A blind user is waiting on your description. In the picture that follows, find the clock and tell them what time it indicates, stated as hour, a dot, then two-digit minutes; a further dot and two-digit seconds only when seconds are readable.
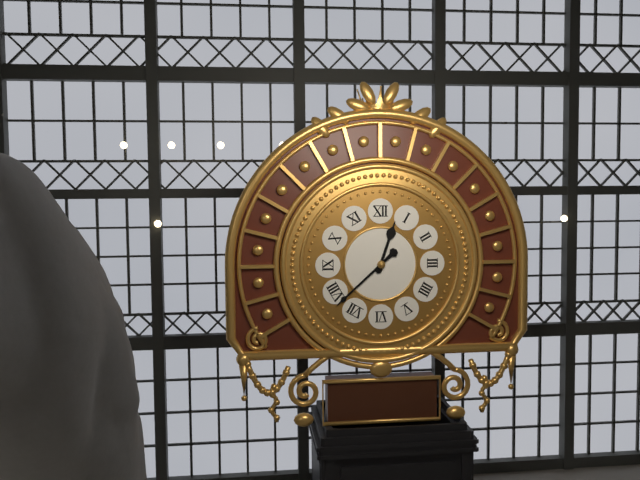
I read 12.38
